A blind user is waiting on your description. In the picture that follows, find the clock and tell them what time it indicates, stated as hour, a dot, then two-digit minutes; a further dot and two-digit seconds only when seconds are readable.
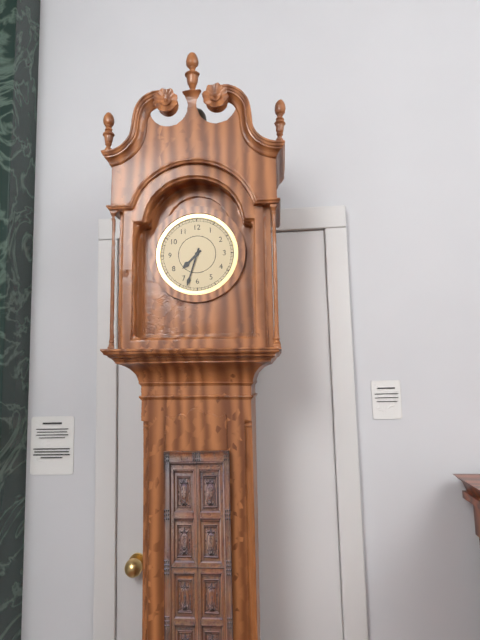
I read 7.33
